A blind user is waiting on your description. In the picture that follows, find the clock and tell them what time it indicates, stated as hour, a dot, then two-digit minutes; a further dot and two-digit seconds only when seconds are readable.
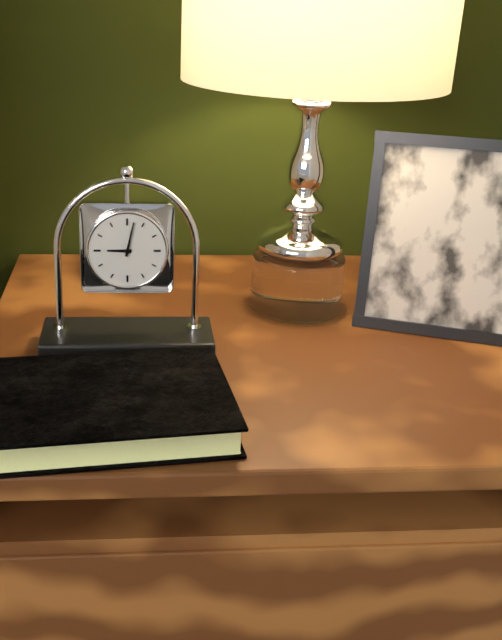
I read 9.02
